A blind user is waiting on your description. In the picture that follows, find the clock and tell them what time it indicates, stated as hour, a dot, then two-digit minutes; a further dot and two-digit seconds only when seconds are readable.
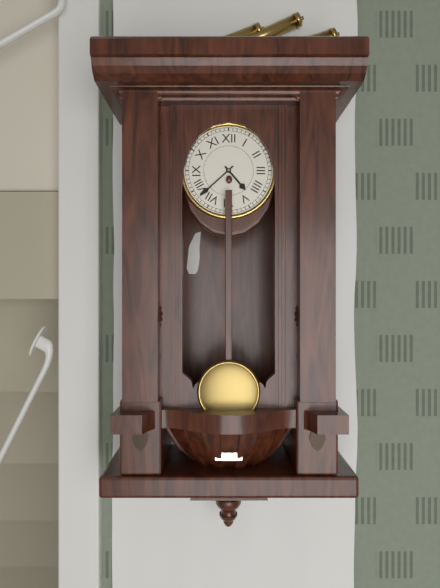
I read 4.38
